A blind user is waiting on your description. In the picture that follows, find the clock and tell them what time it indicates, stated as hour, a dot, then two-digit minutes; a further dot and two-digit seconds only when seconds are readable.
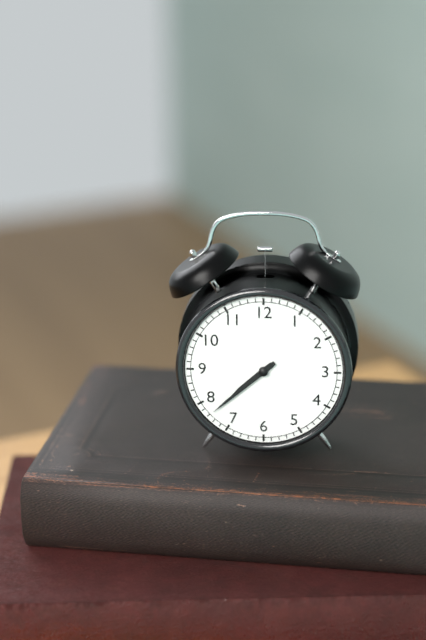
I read 7.38
